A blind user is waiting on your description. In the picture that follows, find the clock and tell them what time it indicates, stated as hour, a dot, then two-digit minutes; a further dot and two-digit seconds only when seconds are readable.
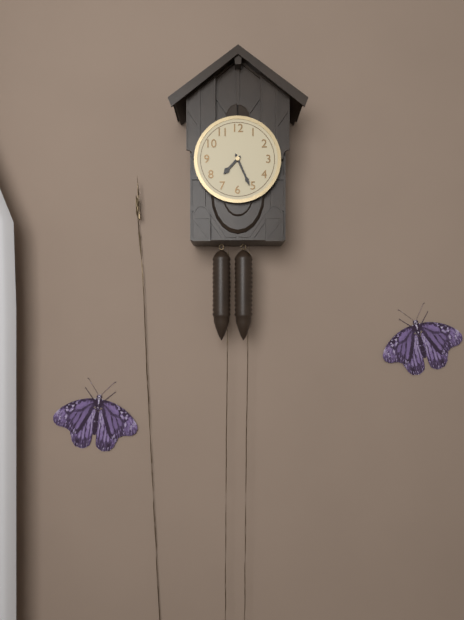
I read 7.26
